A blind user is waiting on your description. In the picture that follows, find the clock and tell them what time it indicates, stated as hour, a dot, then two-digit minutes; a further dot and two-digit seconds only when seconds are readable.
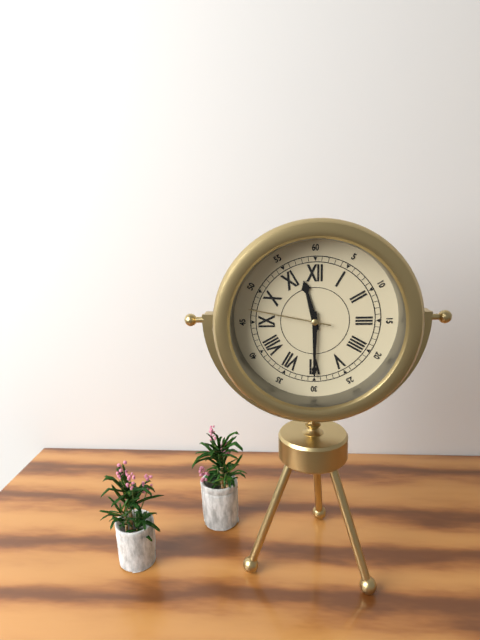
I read 11.30.47
